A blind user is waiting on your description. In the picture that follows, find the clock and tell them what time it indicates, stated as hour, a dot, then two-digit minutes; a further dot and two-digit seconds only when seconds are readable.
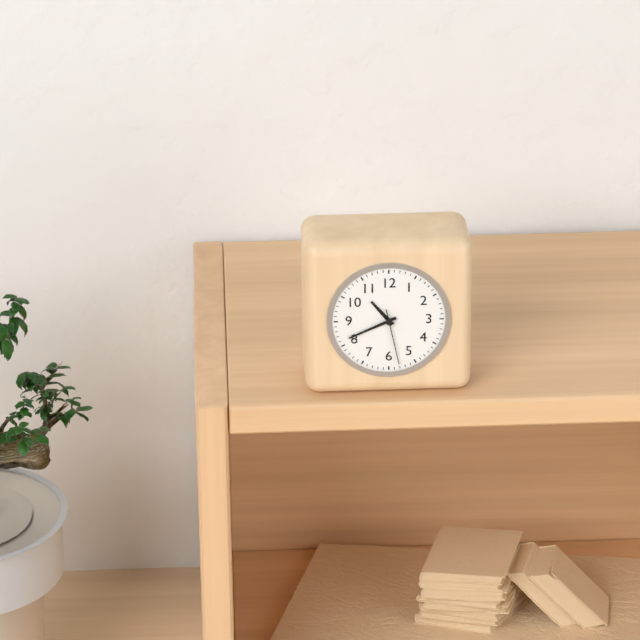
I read 10.41.28
